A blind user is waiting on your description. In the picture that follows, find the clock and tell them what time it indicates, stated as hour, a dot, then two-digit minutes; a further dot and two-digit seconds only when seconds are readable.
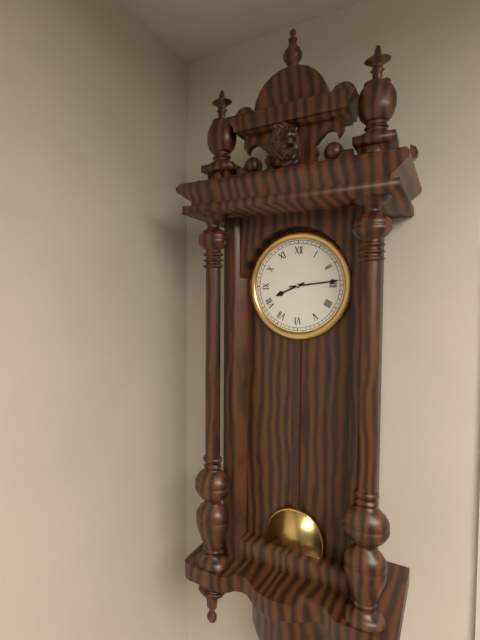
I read 8.14
